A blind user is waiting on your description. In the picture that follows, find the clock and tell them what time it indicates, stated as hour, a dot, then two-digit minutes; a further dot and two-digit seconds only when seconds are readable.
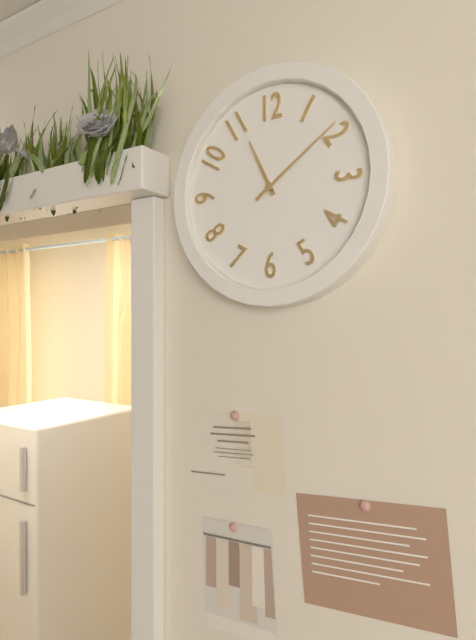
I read 11.09
